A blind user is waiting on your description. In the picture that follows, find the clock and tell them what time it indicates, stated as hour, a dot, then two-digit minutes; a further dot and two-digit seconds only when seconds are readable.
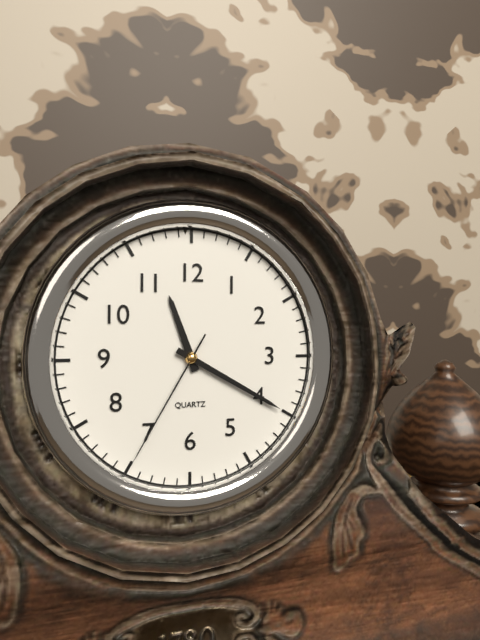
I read 11.20.35
